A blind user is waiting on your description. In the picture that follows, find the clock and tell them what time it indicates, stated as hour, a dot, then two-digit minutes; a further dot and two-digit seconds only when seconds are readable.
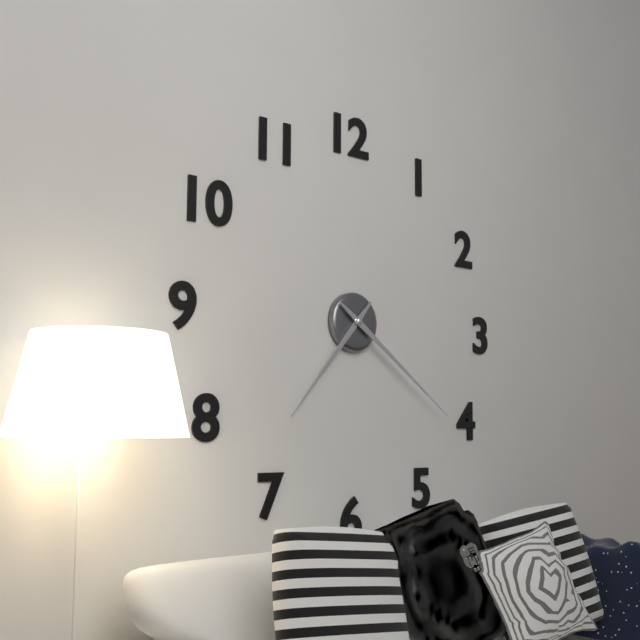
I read 7.21
